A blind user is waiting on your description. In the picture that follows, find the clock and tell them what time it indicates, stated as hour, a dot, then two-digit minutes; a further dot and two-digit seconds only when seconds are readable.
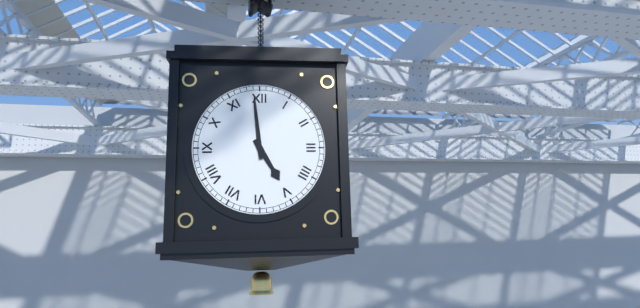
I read 4.59
